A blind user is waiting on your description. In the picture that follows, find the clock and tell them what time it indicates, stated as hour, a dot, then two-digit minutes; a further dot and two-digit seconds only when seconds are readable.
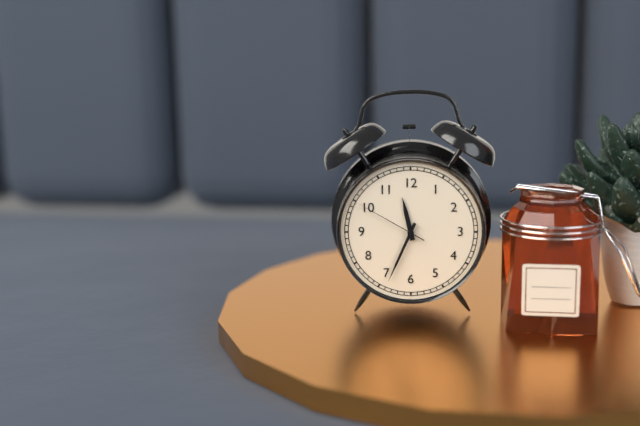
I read 11.34.50
